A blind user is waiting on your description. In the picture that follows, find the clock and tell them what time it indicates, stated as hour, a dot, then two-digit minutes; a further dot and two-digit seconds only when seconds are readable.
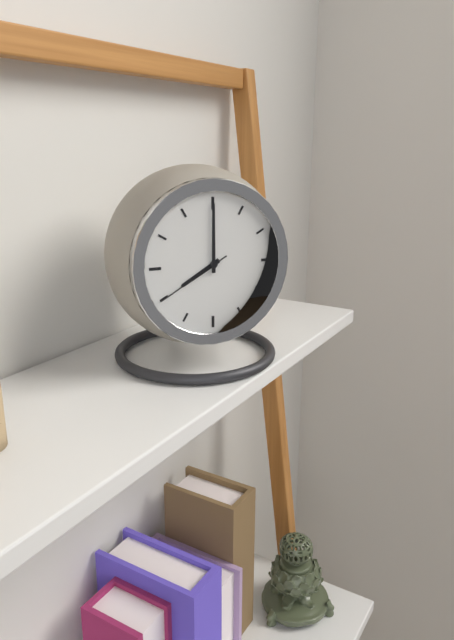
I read 8.00.40
